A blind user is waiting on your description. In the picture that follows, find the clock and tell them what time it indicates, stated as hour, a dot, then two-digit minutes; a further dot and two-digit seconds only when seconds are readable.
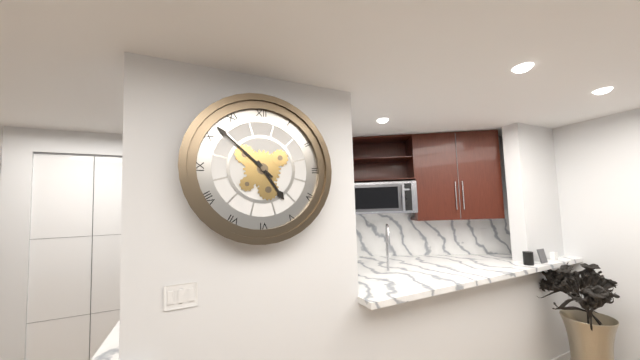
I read 4.52
